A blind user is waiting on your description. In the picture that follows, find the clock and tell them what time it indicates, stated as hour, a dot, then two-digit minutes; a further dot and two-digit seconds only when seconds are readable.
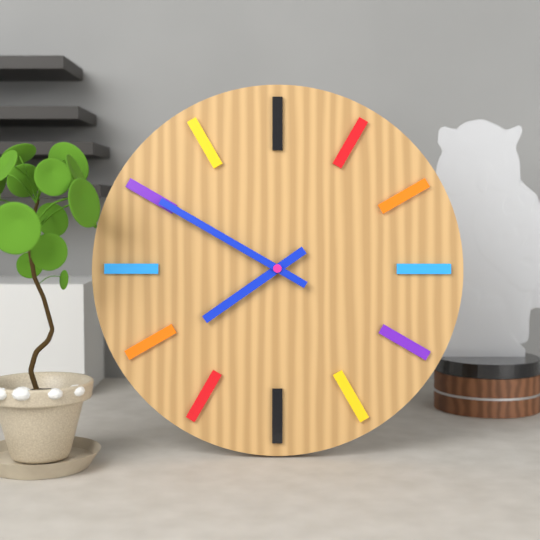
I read 7.50
